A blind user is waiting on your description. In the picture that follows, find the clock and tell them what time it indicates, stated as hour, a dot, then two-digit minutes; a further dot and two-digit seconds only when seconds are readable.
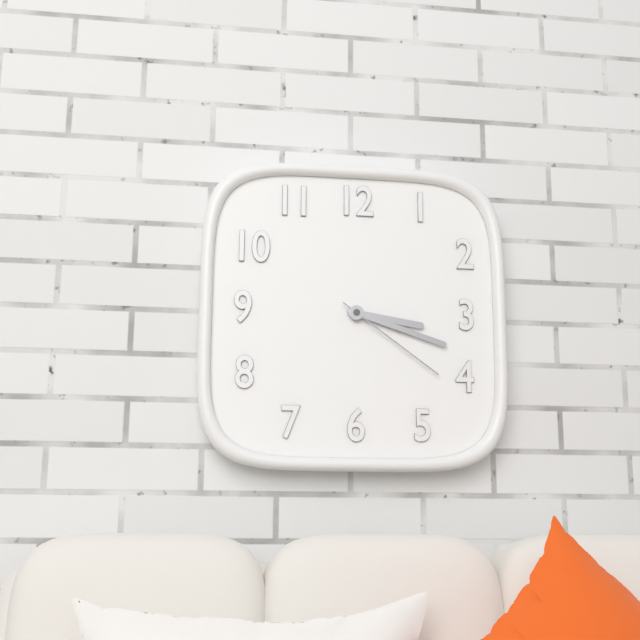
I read 3.18.21
